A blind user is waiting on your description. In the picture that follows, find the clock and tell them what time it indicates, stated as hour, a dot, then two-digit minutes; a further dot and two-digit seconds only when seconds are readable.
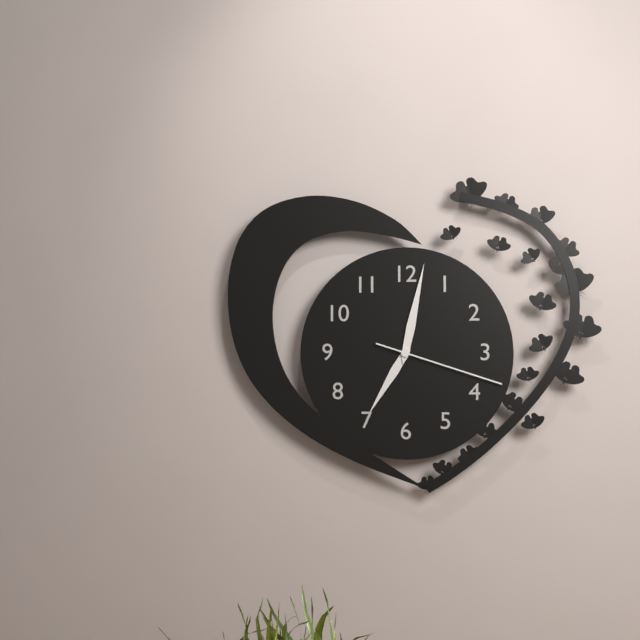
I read 7.02.18
